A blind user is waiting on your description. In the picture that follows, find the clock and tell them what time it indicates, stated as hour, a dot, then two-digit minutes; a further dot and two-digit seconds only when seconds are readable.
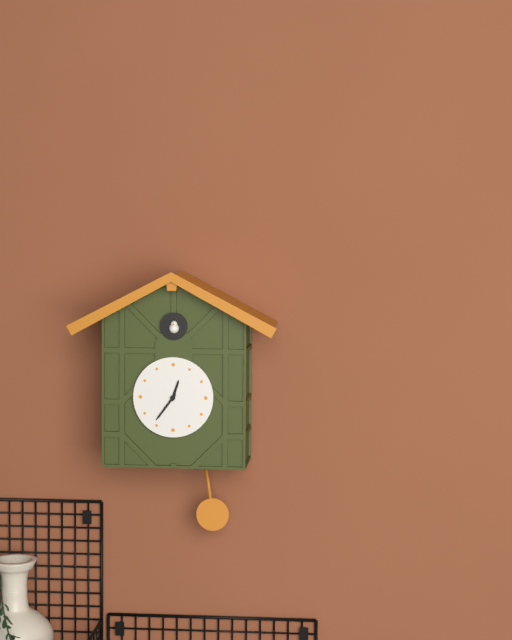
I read 12.36
